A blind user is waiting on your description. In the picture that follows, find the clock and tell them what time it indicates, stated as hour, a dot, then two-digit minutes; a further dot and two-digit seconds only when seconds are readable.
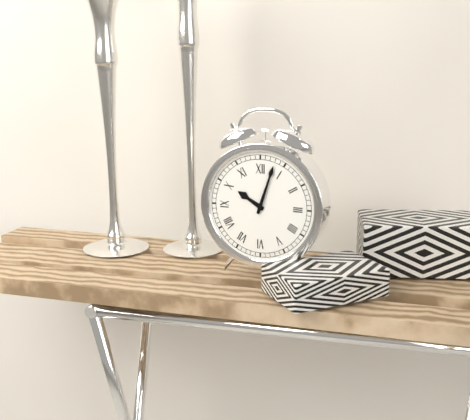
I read 10.03
